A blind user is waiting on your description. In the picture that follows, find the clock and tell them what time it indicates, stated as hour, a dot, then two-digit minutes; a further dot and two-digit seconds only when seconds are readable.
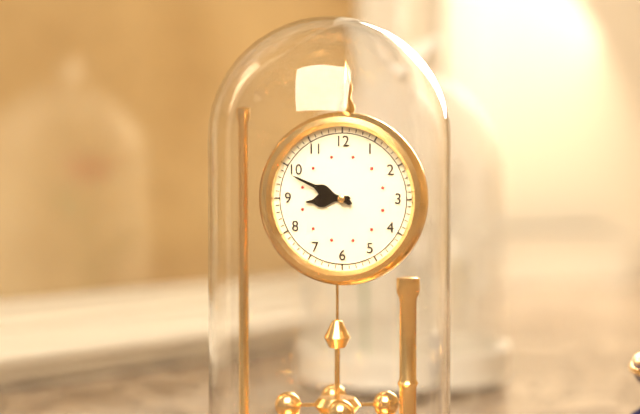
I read 8.49
